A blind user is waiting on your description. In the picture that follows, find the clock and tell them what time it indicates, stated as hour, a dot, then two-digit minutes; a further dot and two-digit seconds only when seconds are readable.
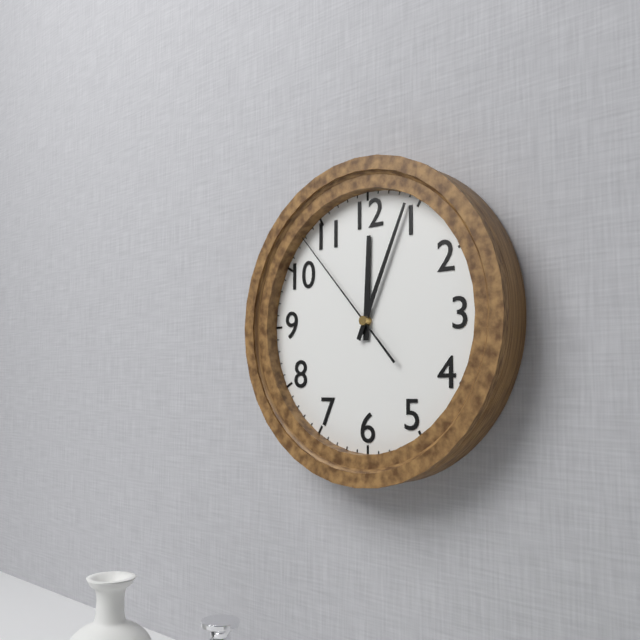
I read 12.04.53
